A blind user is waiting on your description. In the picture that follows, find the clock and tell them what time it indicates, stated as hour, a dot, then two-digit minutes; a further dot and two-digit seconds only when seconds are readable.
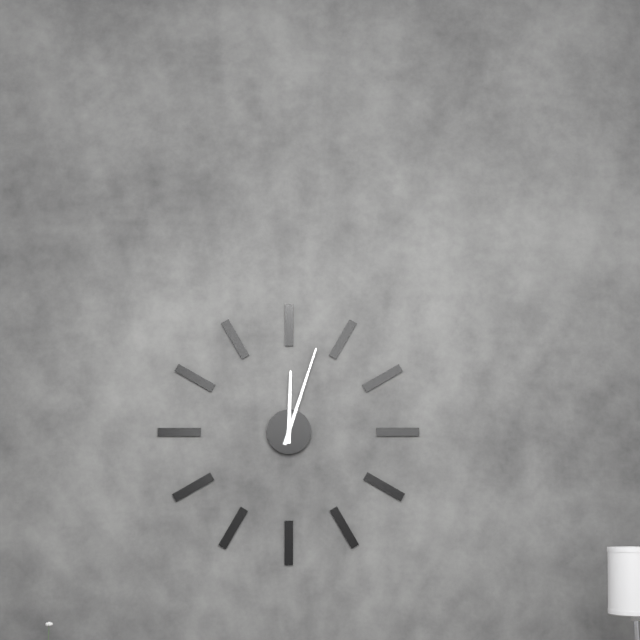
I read 12.03
